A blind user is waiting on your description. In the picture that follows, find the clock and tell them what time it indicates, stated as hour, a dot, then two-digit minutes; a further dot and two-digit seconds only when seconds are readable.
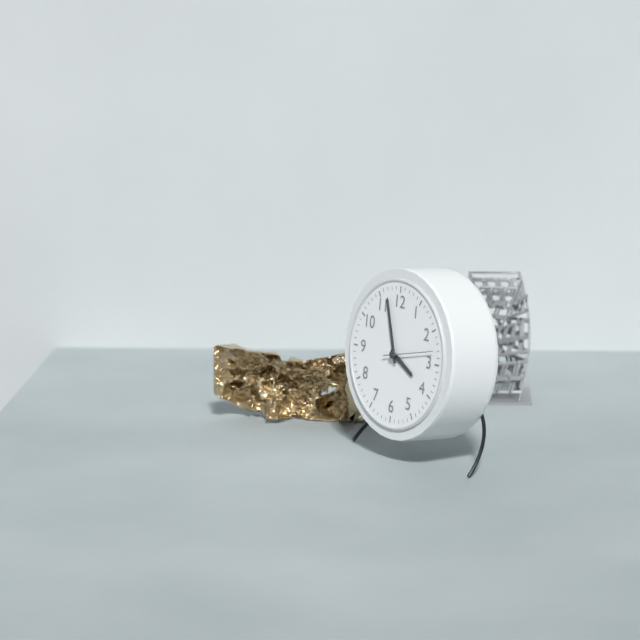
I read 3.57.13
